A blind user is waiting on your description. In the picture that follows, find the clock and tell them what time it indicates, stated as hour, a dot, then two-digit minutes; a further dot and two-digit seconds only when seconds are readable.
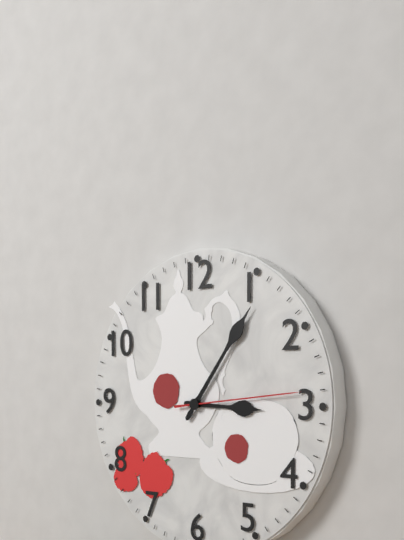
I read 3.06.14
